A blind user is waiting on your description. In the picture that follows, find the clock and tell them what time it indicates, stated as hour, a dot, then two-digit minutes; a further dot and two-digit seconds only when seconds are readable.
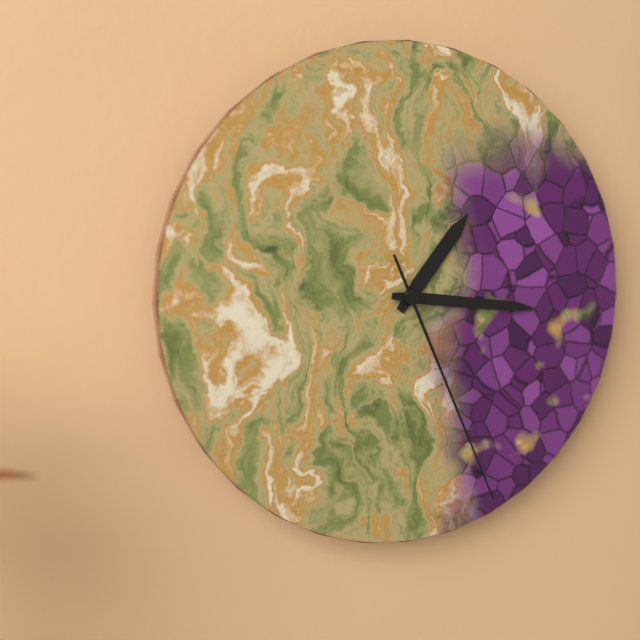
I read 1.16.26
